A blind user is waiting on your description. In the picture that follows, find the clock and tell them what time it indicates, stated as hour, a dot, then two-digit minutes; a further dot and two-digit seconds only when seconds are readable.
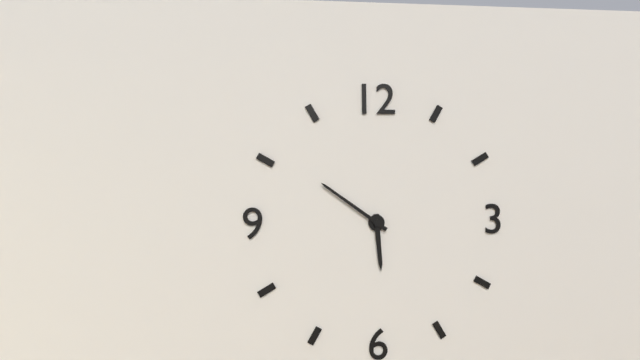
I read 5.51
